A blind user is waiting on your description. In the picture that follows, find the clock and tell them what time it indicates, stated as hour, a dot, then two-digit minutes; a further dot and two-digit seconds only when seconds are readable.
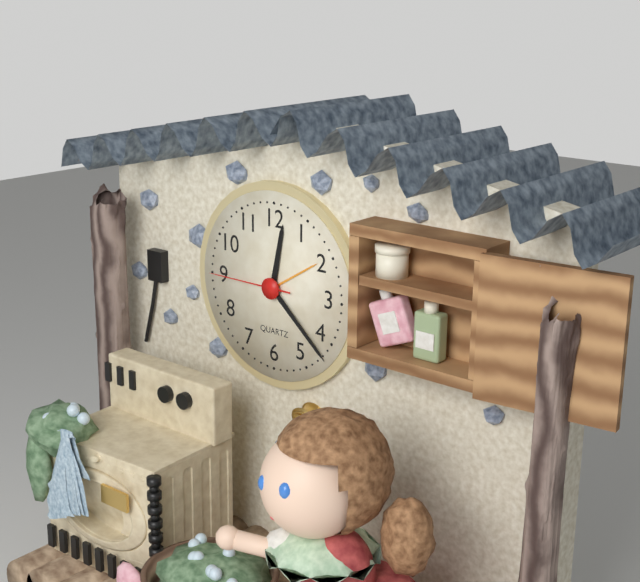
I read 12.22.45
